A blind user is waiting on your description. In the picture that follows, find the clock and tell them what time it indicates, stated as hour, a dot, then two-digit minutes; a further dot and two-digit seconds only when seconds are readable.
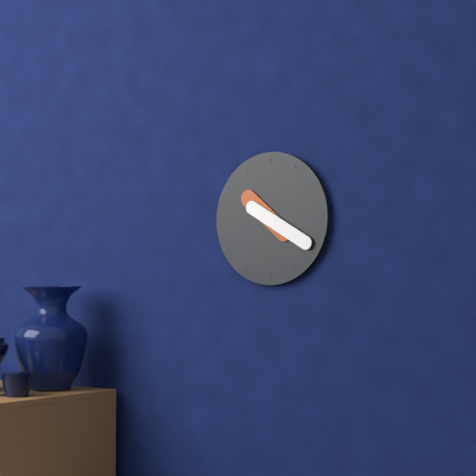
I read 10.20
